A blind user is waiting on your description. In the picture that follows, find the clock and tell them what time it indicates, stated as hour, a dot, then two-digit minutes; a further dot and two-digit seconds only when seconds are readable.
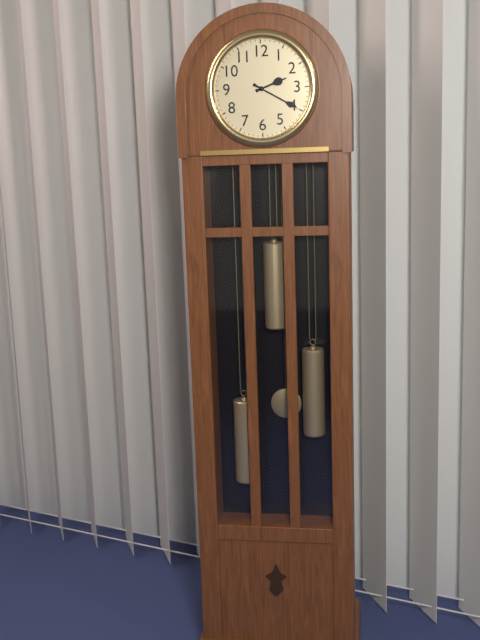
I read 2.20
